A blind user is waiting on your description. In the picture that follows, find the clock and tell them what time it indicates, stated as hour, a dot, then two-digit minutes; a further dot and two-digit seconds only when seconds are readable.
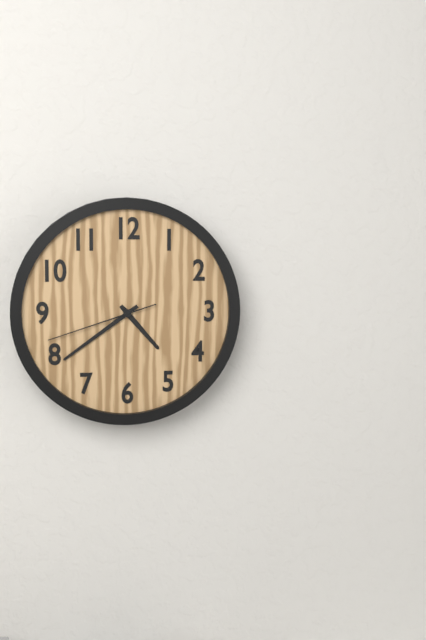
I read 4.39.42
